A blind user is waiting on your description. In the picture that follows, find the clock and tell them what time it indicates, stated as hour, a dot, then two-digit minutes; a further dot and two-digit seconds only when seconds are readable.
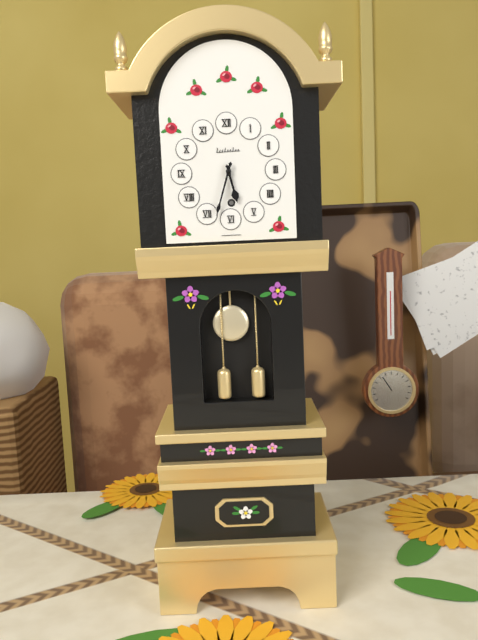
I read 5.33
